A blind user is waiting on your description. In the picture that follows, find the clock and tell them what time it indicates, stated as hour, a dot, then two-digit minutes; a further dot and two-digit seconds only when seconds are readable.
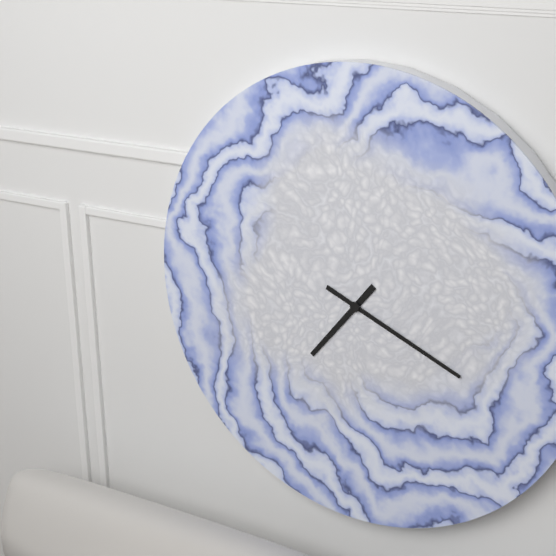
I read 7.19
